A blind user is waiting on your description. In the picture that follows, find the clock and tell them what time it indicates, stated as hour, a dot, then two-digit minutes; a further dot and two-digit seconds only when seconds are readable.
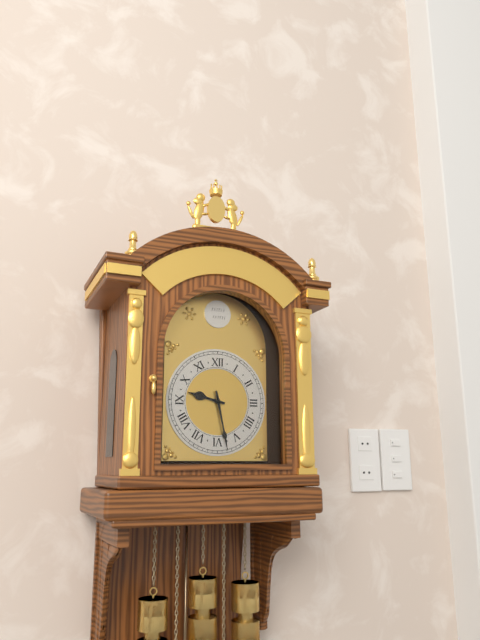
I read 9.28
